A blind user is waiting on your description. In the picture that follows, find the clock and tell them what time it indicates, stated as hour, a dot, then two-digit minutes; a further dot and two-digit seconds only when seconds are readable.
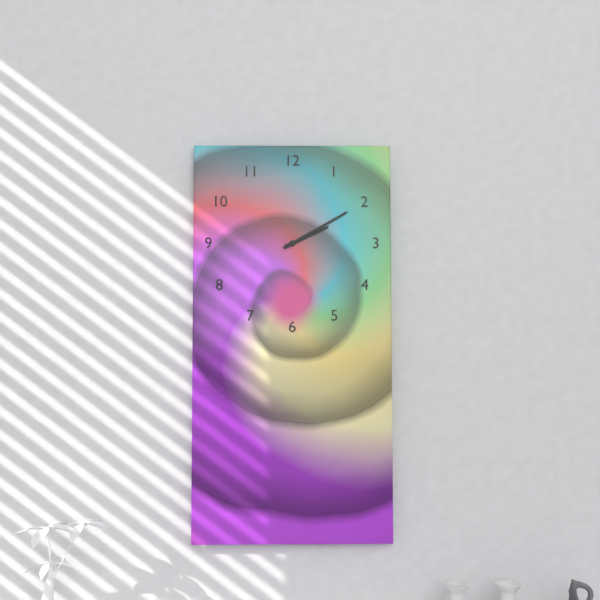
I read 2.10
